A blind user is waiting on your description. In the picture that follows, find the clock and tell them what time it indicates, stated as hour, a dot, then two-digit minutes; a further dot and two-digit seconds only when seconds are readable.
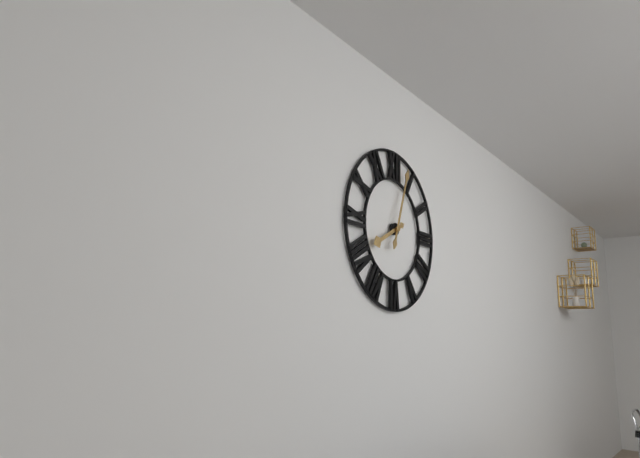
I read 8.03
